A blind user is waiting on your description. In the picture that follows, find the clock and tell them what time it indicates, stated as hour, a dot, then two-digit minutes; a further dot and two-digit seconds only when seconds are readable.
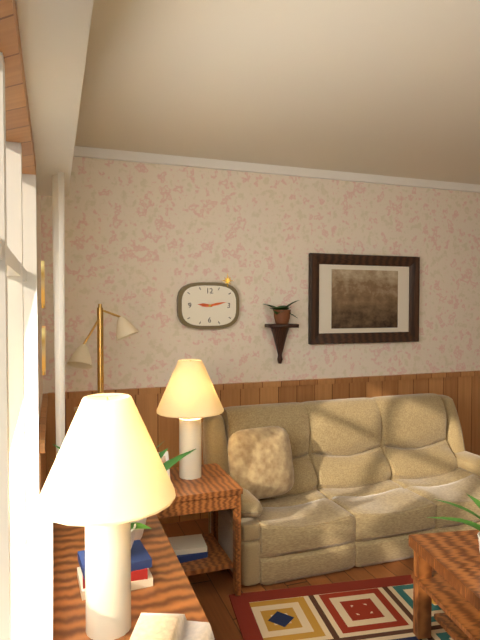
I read 9.13
